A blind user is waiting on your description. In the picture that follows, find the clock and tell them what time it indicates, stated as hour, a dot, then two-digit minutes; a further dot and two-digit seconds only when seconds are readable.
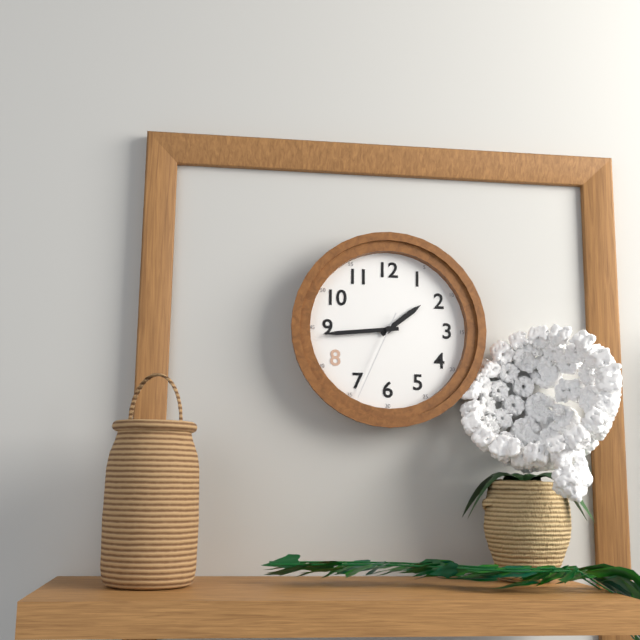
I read 1.44.34
